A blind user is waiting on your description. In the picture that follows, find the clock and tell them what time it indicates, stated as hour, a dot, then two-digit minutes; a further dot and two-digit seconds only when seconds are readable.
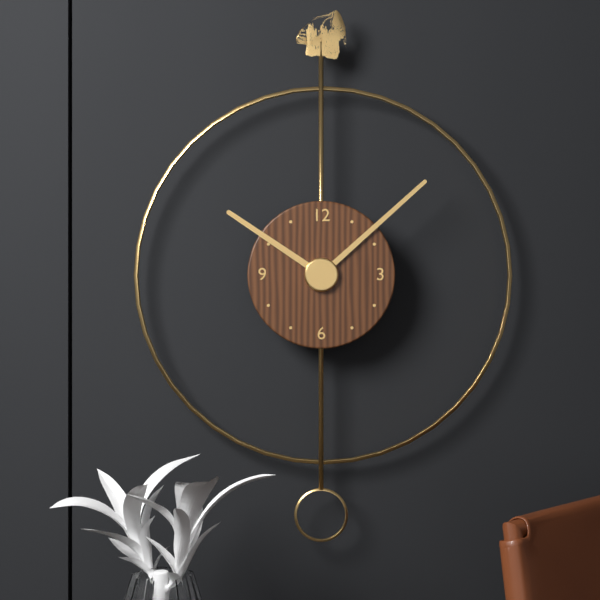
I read 10.08
